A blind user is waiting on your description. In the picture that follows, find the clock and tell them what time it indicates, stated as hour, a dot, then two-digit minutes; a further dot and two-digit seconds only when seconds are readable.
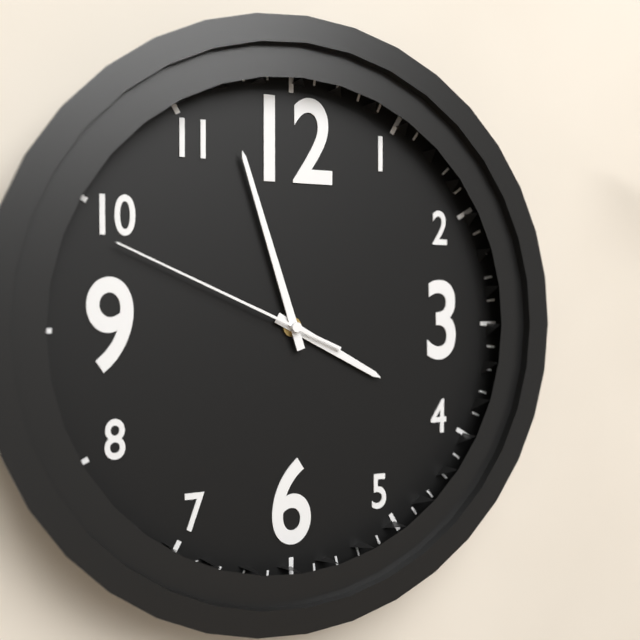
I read 3.57.49
